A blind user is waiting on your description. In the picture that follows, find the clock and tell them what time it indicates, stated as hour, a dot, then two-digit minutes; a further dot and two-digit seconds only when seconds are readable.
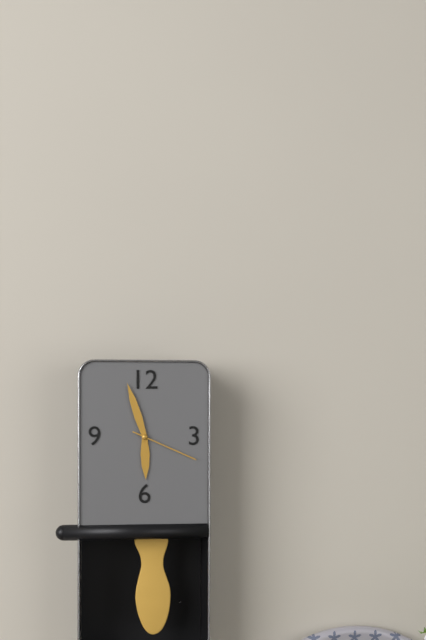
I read 5.57.19
